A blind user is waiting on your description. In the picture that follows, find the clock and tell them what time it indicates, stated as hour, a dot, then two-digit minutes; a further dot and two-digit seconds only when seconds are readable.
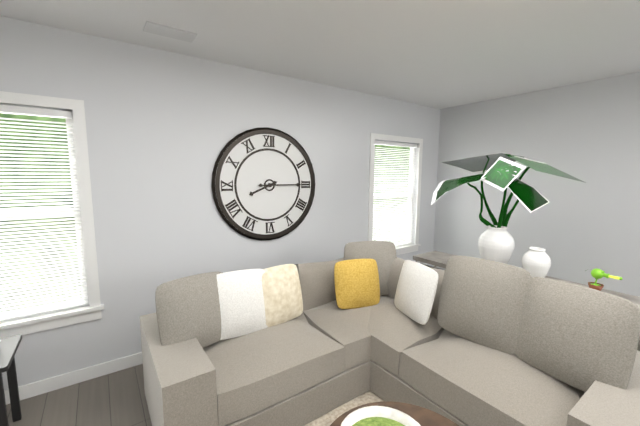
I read 8.15
